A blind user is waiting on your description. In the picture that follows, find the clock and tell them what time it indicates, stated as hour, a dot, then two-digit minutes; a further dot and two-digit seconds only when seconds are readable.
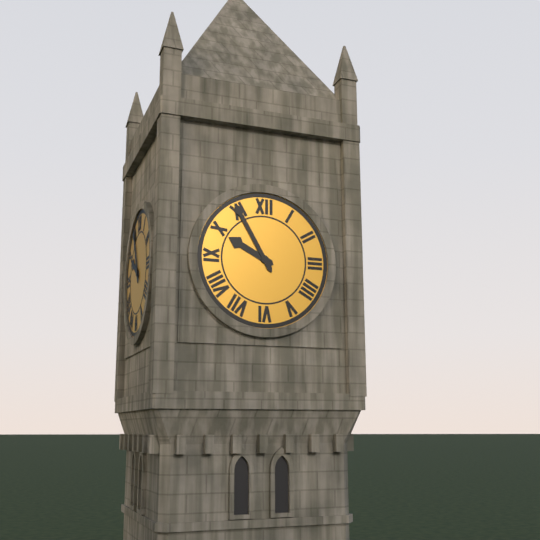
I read 9.55
